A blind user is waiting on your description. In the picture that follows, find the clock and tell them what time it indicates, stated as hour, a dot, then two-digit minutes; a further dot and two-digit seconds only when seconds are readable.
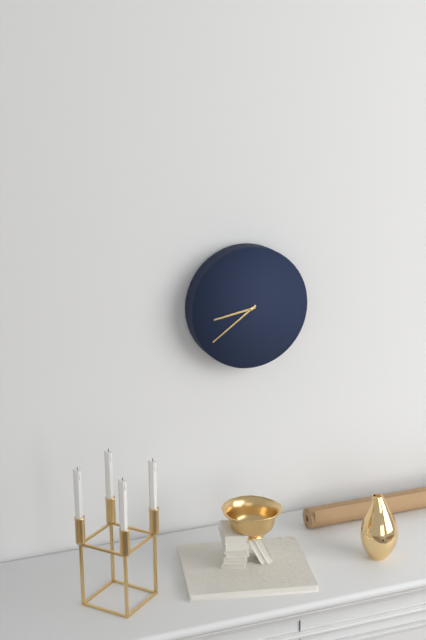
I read 8.39
